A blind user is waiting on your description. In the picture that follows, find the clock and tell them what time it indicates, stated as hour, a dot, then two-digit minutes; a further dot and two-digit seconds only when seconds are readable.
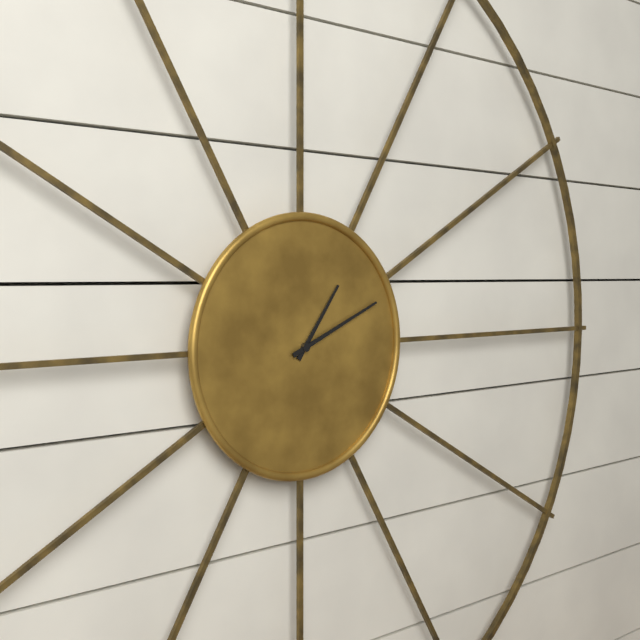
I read 1.11
